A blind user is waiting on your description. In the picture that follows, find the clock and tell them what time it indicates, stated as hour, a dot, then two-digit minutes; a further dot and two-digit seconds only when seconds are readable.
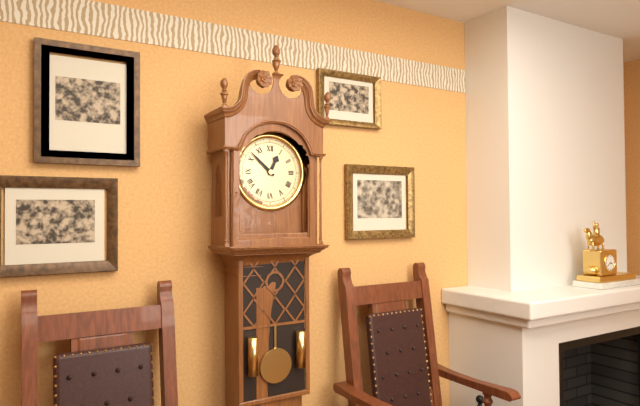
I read 12.52
